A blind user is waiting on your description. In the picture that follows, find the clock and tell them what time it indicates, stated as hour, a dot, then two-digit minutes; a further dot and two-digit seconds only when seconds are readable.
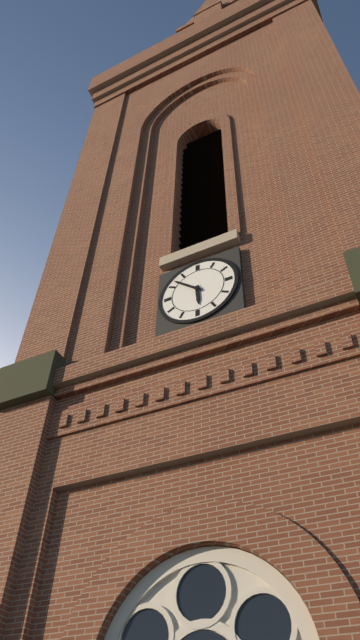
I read 5.52
